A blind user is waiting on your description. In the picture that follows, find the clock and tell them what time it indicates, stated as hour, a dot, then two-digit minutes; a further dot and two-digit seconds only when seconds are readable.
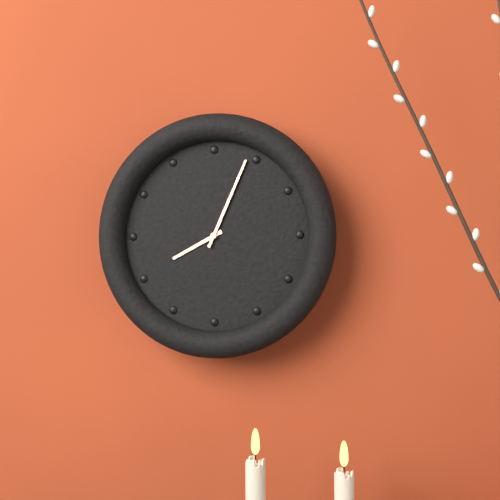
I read 8.04
